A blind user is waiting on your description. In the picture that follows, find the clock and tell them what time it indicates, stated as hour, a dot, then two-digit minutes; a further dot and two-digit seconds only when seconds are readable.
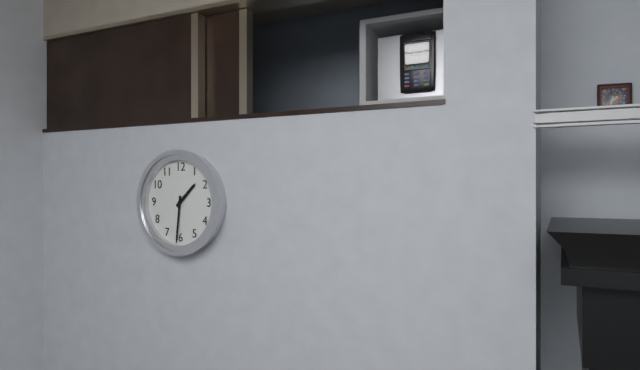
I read 1.31
